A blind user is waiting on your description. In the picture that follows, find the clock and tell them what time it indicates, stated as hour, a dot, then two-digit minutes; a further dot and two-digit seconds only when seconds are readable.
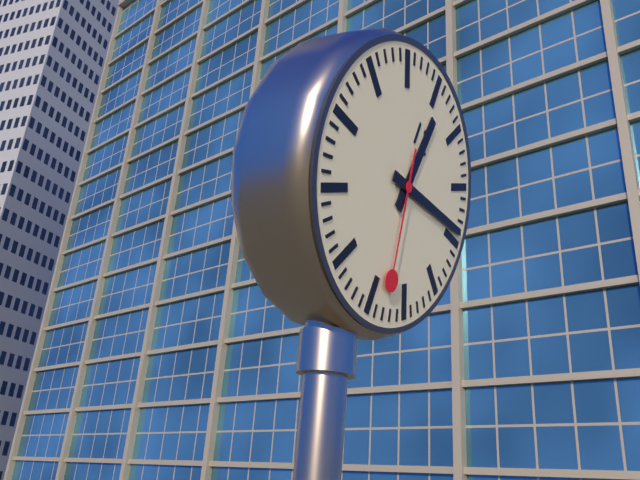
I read 12.14.28
